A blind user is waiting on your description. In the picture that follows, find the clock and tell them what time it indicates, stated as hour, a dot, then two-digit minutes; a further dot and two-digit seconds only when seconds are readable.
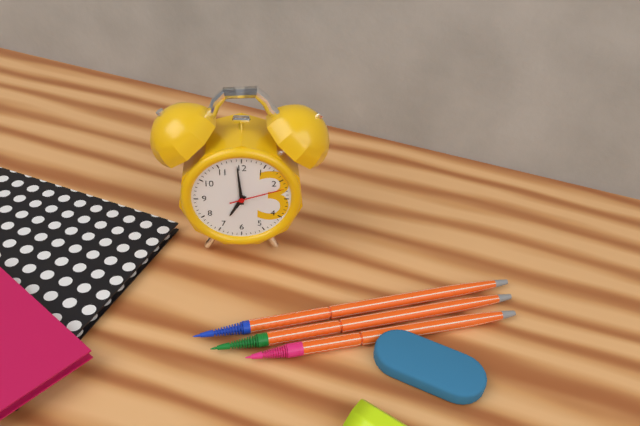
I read 6.59.12
